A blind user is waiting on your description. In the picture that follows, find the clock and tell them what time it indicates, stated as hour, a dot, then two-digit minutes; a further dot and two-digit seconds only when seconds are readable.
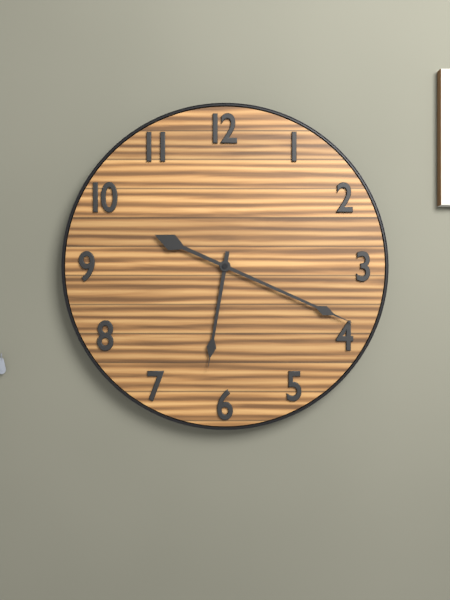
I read 6.19
